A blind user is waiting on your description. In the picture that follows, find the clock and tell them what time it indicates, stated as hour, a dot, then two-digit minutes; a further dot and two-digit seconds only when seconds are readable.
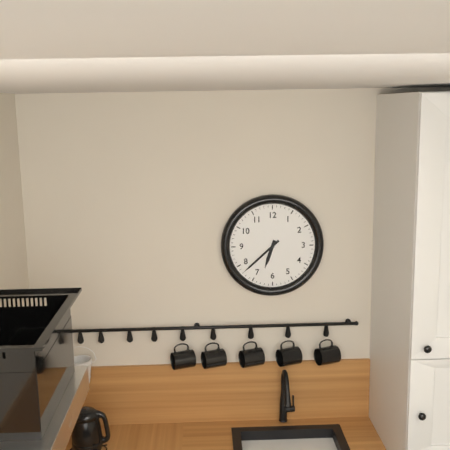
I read 6.38
